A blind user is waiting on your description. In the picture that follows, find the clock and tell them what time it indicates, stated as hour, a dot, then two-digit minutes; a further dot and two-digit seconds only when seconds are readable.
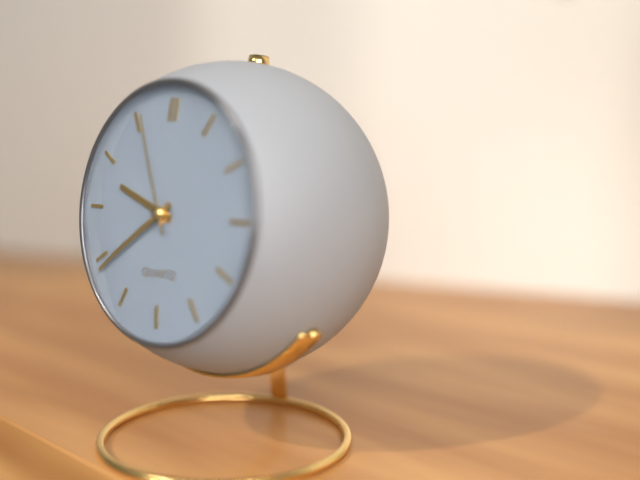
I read 9.39.56
